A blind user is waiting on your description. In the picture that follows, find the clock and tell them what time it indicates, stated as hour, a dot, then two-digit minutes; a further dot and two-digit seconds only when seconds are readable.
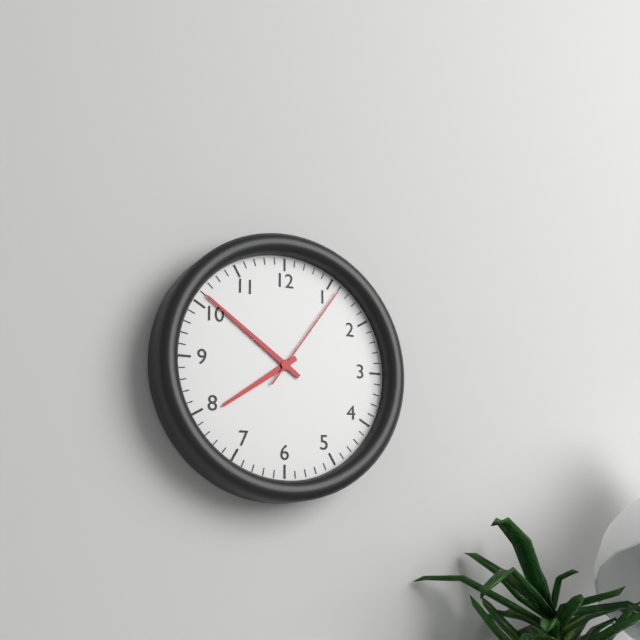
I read 7.51.06
